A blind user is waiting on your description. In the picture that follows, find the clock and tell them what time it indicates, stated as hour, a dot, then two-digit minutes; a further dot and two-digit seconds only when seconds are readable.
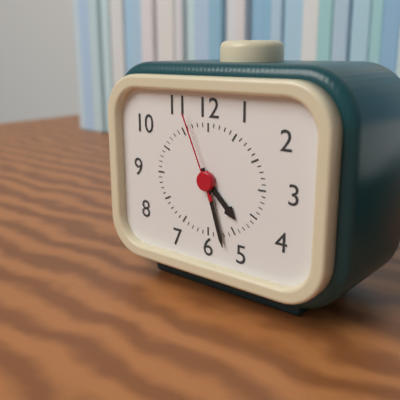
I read 4.27.56
